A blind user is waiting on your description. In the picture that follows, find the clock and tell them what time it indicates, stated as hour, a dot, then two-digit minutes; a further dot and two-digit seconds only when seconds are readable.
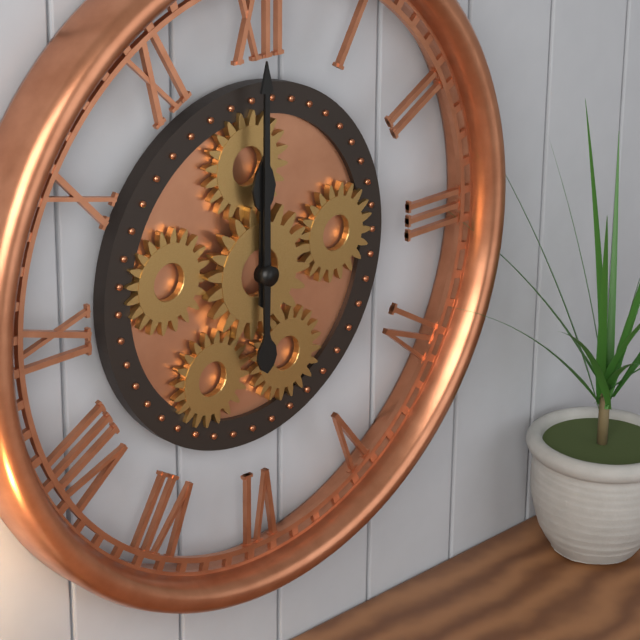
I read 12.00
